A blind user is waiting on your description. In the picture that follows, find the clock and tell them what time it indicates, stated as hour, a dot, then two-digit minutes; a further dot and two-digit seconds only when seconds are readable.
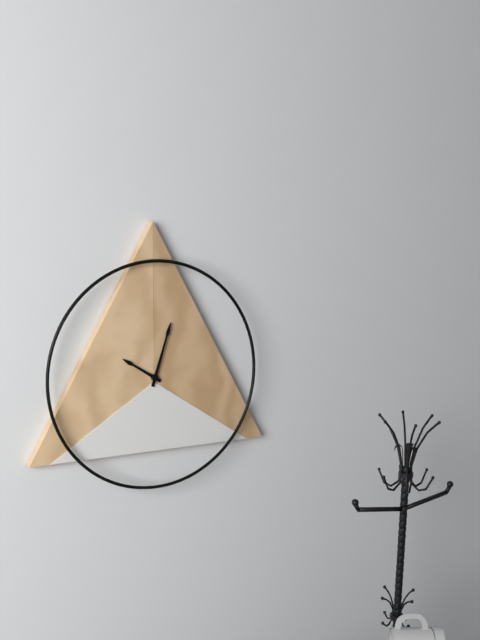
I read 10.03
